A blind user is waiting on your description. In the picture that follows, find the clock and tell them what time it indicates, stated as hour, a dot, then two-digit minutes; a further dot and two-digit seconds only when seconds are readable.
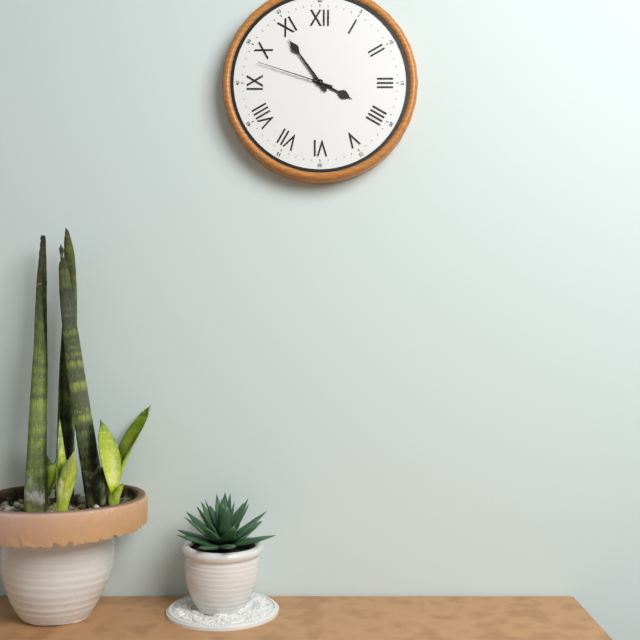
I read 3.54.48
